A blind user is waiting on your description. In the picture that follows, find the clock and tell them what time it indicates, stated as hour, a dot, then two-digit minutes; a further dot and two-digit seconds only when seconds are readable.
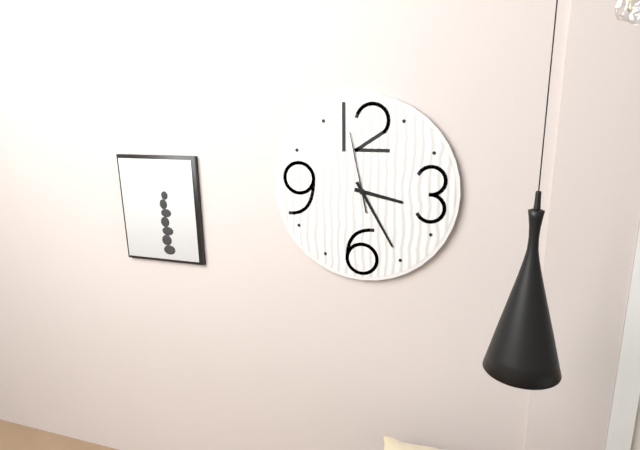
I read 3.25.58
